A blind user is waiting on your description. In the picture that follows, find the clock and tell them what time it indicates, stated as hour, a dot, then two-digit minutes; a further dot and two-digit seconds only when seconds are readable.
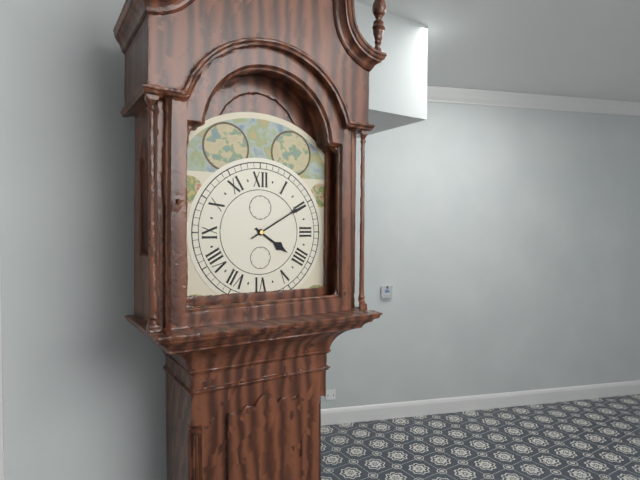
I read 4.10
